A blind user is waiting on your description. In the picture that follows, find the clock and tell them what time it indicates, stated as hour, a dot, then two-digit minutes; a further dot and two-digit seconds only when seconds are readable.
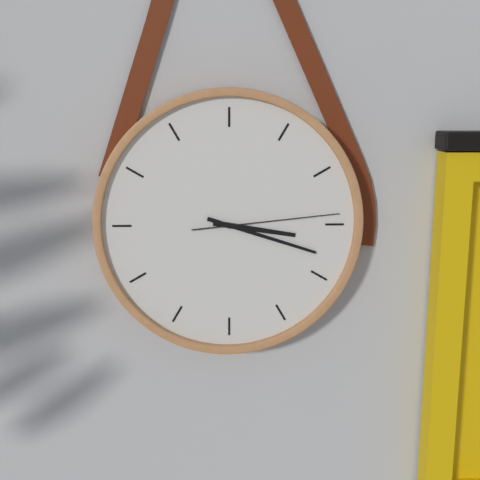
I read 3.18.14
